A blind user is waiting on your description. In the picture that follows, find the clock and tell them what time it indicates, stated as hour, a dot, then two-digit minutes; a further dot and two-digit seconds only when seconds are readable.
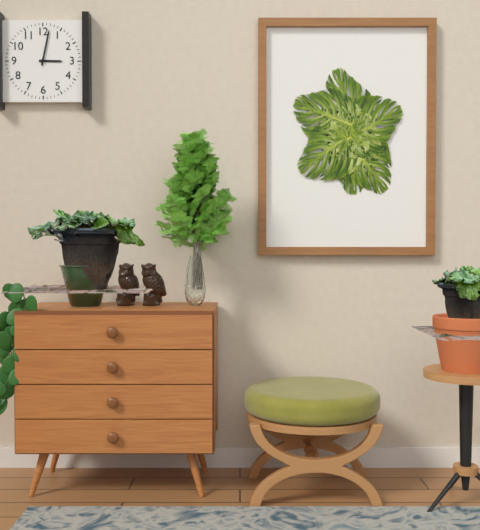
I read 3.02
